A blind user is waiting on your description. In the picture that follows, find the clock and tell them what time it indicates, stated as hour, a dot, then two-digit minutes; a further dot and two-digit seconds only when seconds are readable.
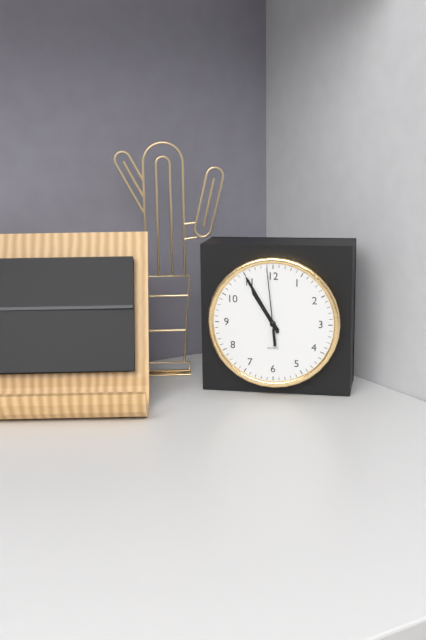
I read 10.55.59
